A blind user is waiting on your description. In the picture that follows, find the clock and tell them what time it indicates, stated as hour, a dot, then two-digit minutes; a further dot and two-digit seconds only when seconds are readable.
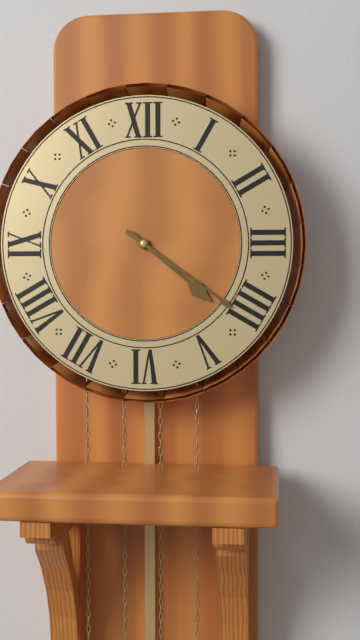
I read 4.21
